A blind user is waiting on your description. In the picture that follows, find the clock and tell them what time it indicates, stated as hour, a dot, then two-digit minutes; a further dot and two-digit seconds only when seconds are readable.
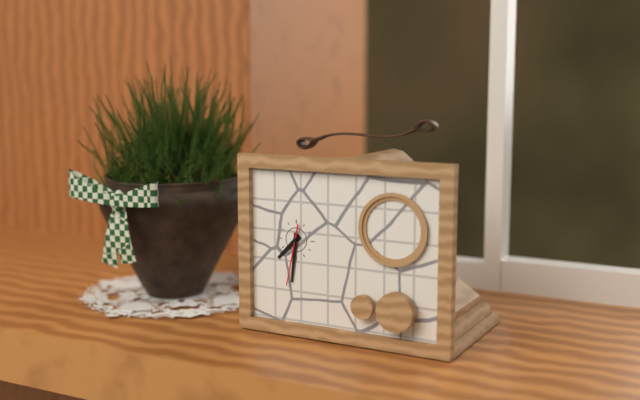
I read 7.31.32
